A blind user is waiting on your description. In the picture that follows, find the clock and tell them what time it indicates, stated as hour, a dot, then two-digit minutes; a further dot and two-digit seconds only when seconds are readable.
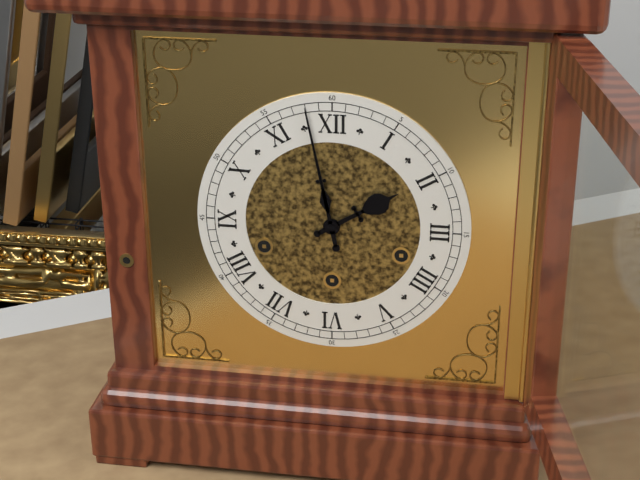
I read 1.58
